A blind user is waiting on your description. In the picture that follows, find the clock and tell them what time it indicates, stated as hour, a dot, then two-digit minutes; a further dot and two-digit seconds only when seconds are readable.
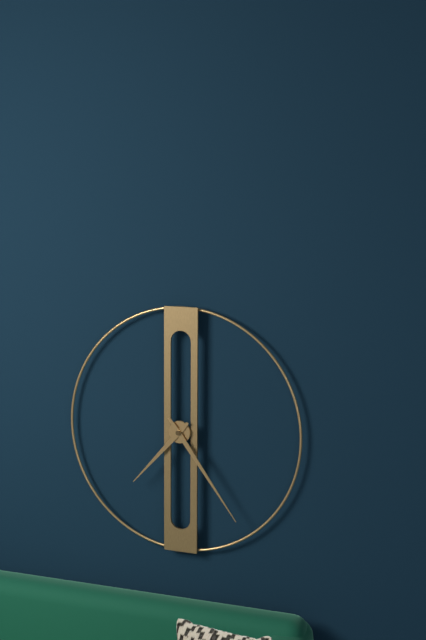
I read 7.24
